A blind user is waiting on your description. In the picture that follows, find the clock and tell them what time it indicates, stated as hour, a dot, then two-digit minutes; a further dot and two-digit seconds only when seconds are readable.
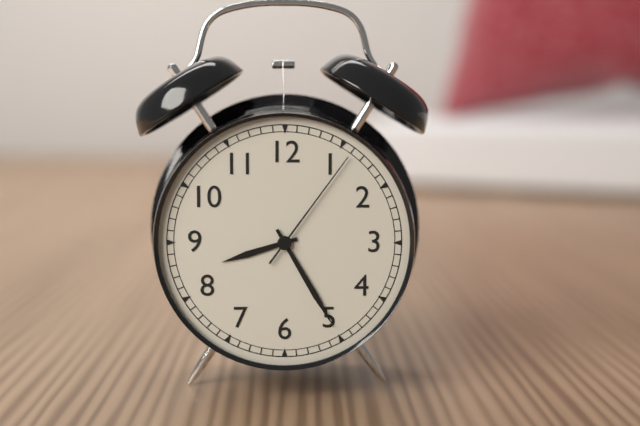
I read 8.25.06
